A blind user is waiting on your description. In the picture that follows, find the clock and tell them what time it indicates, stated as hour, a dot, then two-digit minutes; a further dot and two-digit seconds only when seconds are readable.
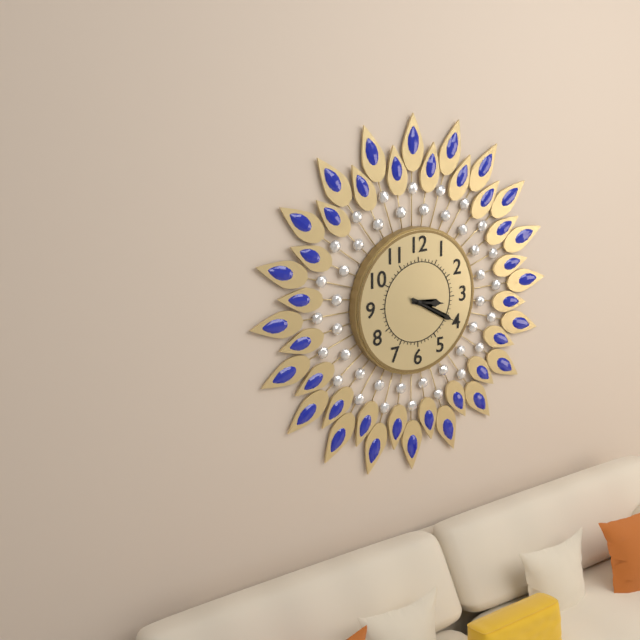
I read 3.20
